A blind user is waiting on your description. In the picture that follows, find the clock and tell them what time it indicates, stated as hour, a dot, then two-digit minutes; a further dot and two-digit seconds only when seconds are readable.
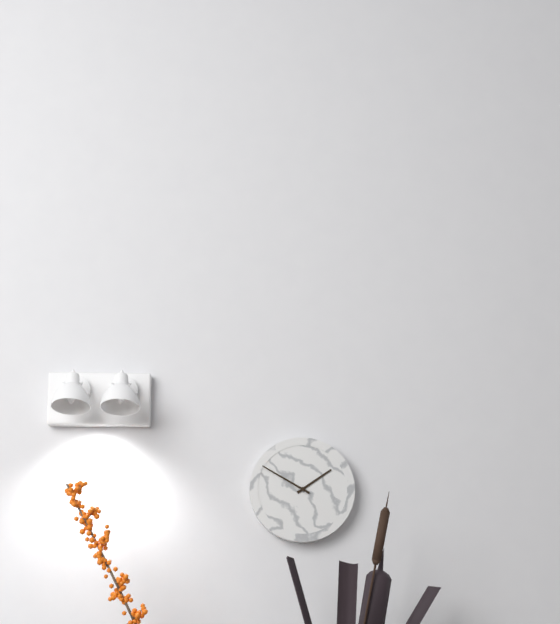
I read 1.50
